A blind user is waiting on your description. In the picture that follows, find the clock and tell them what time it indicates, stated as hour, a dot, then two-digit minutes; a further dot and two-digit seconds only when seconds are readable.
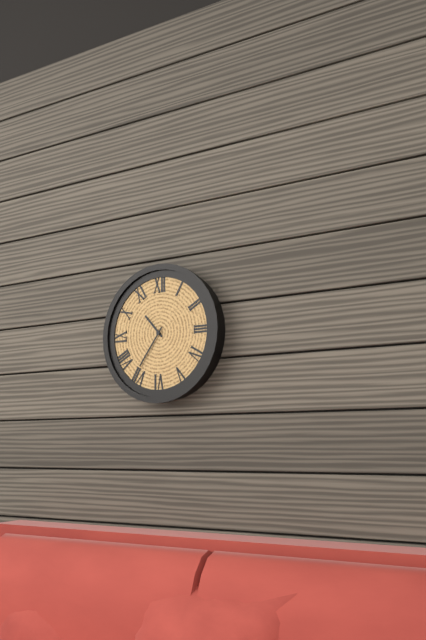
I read 10.36
